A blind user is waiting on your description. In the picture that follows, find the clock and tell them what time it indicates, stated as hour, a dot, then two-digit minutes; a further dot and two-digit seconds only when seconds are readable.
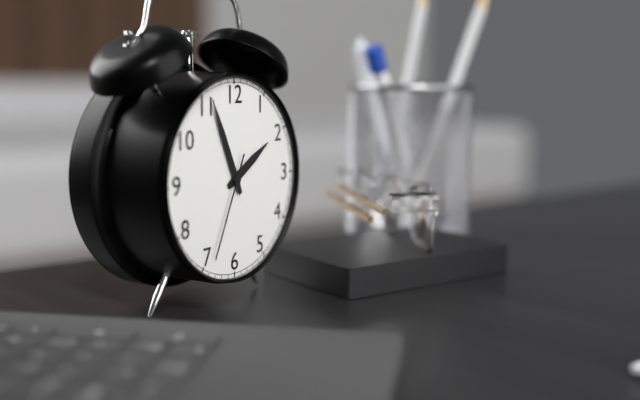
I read 1.56.34
